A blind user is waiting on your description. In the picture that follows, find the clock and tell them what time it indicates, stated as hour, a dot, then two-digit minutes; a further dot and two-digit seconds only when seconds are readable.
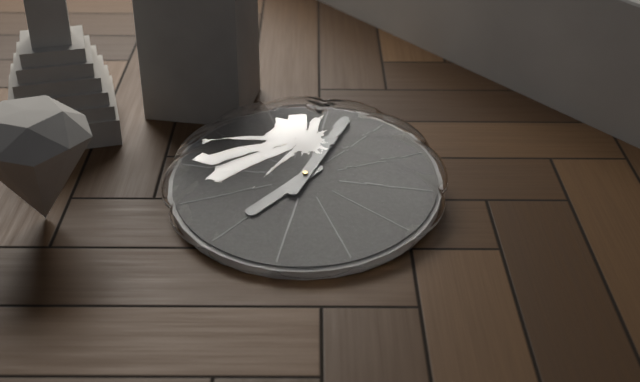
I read 7.02
